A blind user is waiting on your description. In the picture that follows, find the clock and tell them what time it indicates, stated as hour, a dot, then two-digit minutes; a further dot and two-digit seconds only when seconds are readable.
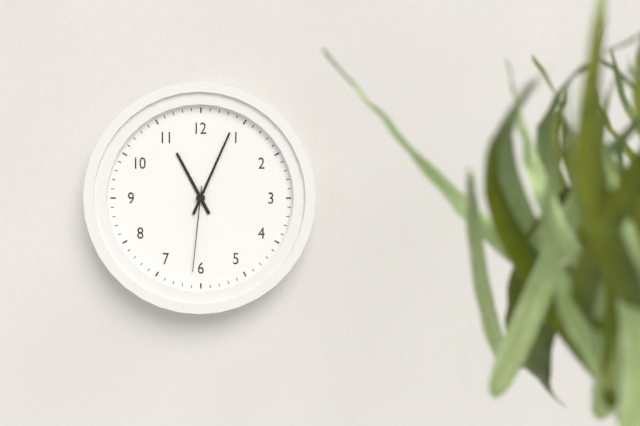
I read 11.04.31
